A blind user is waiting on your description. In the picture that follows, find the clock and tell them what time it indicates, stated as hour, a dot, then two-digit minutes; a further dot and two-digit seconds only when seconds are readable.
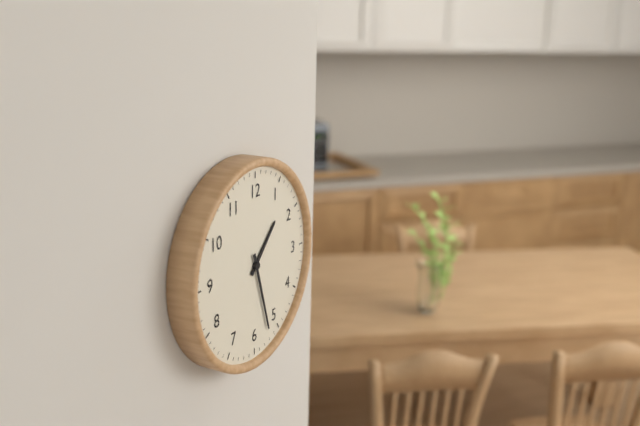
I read 1.27
